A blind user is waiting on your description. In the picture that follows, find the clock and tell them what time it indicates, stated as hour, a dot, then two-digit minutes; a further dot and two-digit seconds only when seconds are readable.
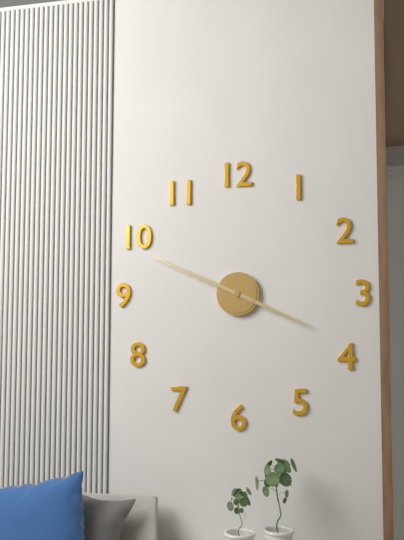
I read 3.49
